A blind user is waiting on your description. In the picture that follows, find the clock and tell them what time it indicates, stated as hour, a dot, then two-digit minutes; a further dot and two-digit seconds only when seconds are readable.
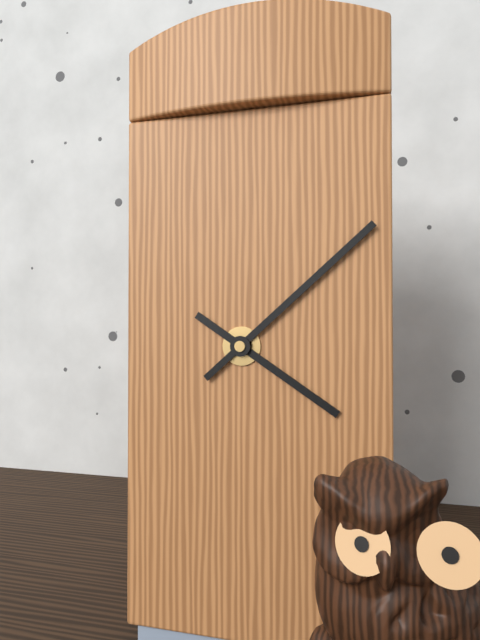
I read 4.08
